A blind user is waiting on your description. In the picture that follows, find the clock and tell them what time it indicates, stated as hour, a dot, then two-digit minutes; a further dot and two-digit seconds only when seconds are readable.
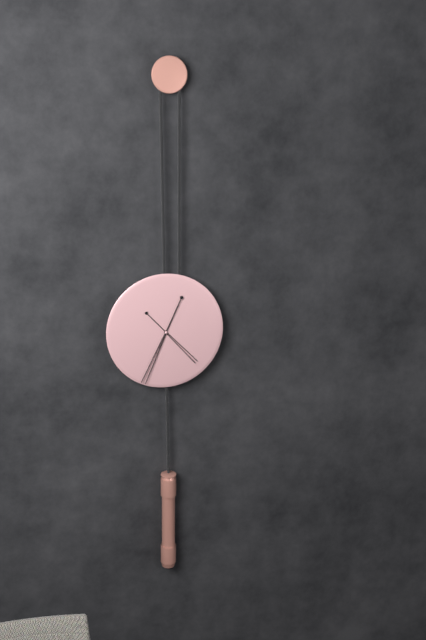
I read 4.34
